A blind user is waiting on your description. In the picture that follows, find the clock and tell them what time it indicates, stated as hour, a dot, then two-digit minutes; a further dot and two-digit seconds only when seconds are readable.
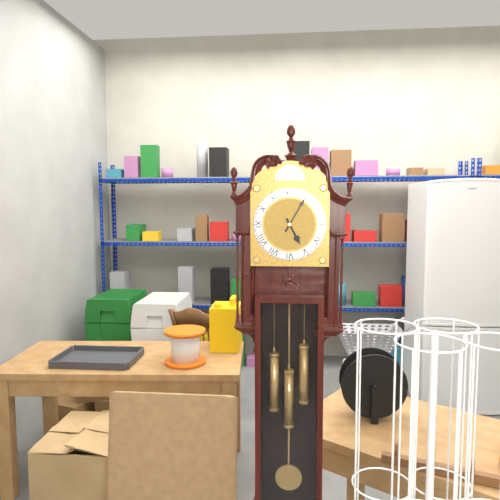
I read 5.05
